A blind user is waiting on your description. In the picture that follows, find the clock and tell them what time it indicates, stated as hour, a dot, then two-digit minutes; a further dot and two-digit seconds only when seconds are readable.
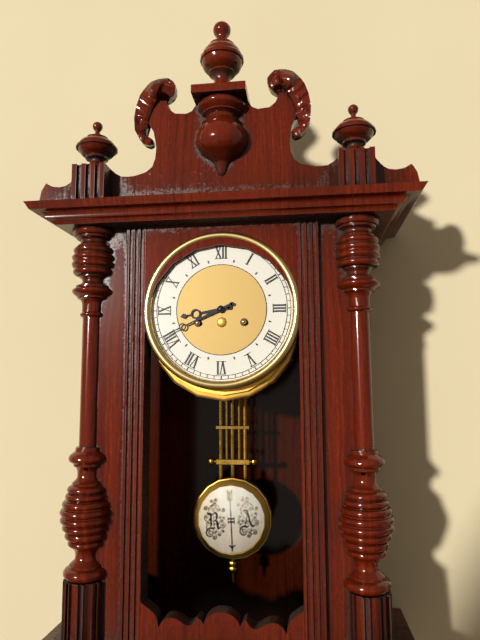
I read 8.41
